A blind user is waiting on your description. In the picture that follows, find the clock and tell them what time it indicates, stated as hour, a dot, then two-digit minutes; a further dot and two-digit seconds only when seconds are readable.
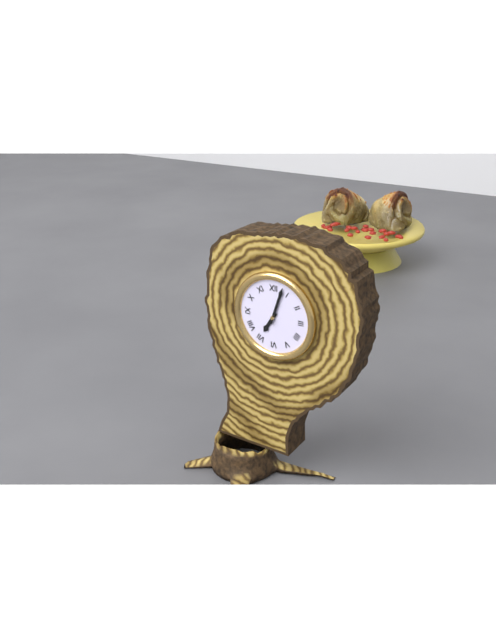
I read 7.03
